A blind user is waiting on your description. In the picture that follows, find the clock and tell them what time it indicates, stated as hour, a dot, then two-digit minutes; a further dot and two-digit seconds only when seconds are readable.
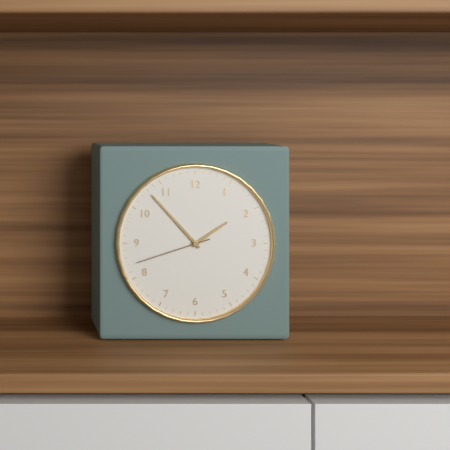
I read 1.53.42
